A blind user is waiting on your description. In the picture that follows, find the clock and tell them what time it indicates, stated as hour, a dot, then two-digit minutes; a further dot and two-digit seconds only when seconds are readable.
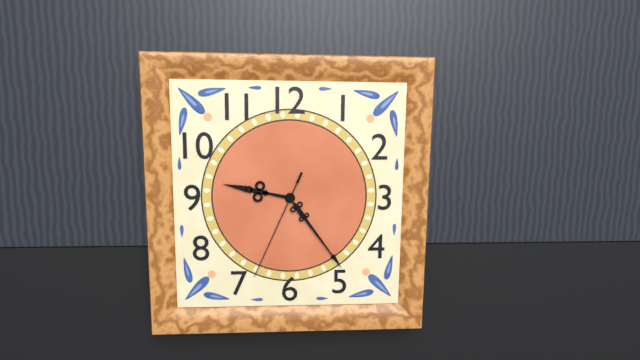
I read 9.24.34
